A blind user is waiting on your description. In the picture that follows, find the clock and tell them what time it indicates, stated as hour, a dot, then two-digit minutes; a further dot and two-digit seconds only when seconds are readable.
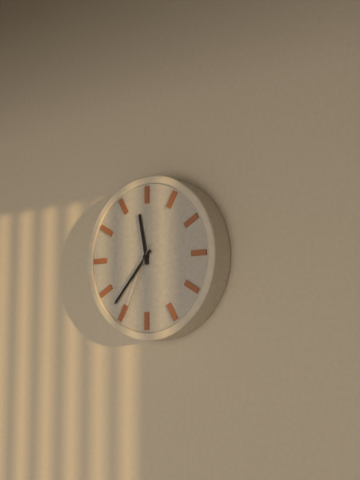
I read 11.37.34
